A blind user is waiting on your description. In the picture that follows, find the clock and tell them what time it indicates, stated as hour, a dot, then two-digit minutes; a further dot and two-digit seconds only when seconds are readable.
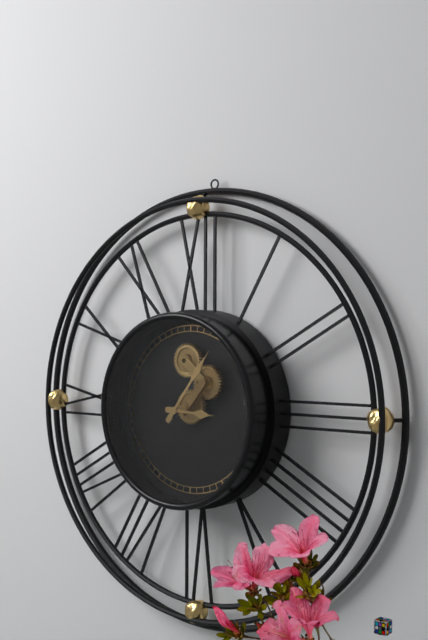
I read 3.06
